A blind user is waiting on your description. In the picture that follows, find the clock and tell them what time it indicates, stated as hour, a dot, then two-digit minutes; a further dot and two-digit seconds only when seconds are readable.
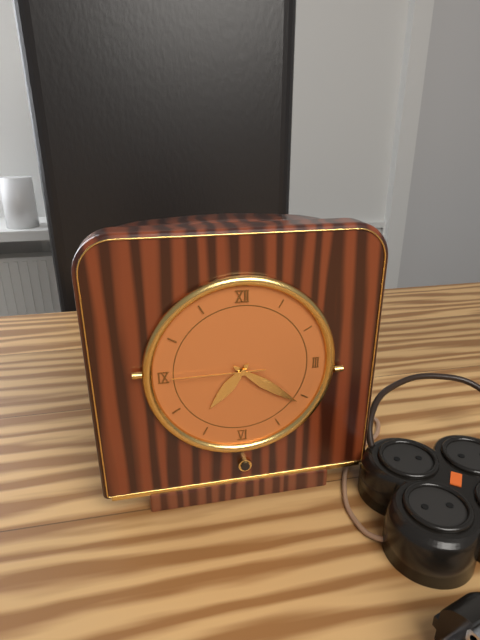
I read 7.21.45
